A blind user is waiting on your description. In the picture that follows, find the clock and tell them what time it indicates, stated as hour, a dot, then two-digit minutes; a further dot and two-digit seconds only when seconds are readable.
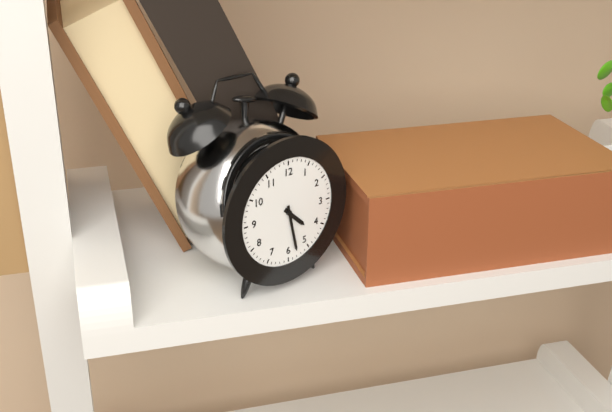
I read 4.28
